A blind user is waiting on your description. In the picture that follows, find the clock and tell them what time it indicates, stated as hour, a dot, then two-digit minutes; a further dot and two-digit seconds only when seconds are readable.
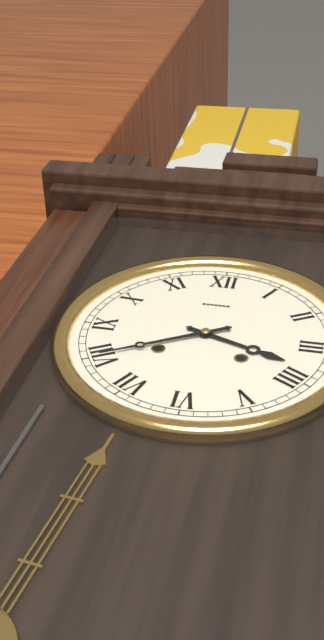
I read 3.40
